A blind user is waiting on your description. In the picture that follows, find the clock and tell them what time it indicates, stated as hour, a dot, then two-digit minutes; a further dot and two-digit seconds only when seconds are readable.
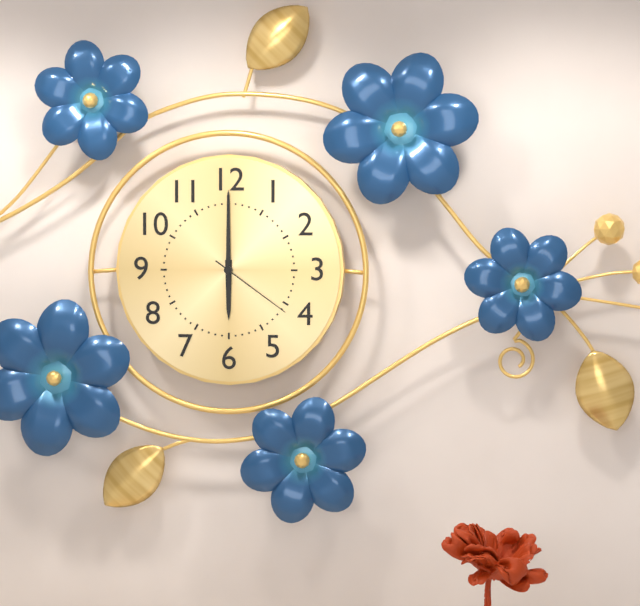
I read 6.00.21
